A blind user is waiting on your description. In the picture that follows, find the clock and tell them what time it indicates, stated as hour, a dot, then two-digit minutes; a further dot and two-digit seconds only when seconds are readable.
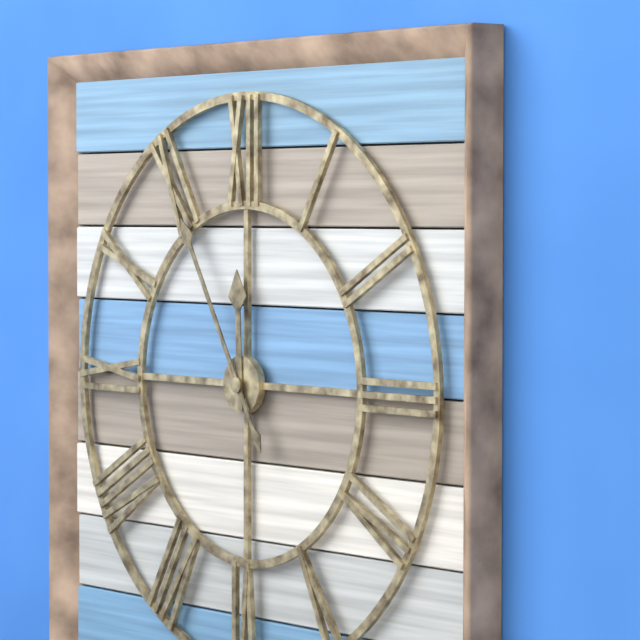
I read 11.55
